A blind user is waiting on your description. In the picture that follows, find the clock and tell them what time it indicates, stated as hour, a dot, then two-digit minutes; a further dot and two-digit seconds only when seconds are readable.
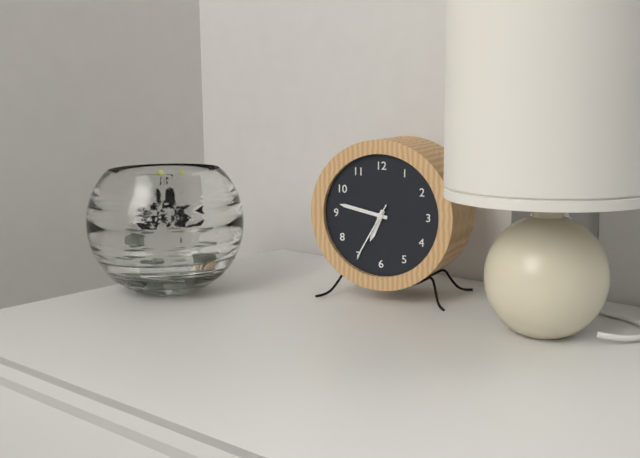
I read 6.47.35
